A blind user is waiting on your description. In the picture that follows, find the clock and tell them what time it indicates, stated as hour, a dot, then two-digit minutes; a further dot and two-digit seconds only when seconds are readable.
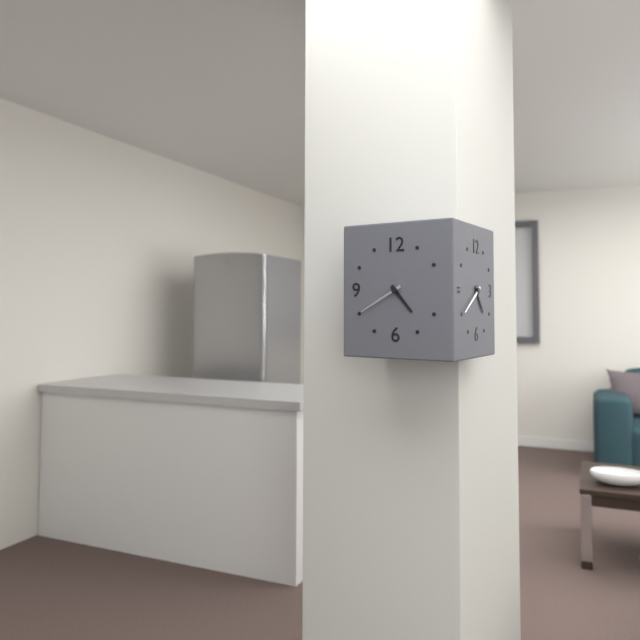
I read 4.40
